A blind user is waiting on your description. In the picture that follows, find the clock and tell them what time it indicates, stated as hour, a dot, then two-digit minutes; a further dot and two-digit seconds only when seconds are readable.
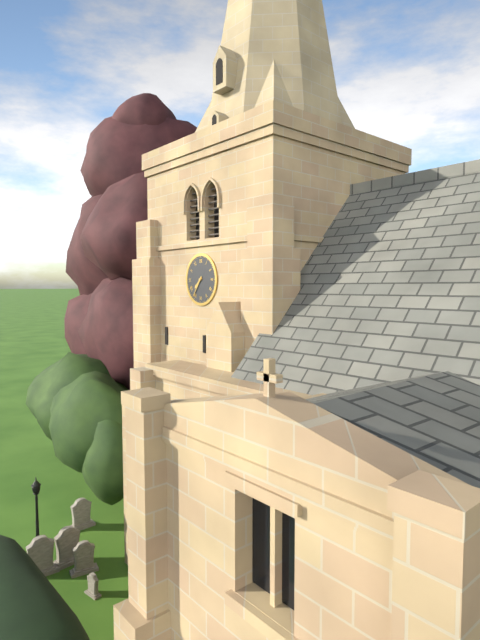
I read 7.36
